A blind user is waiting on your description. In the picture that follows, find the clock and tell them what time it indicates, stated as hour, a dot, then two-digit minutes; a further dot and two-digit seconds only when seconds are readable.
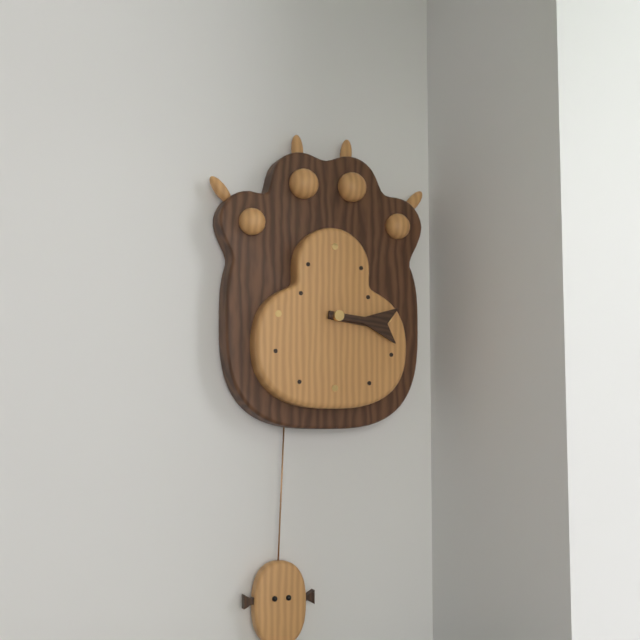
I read 3.16
